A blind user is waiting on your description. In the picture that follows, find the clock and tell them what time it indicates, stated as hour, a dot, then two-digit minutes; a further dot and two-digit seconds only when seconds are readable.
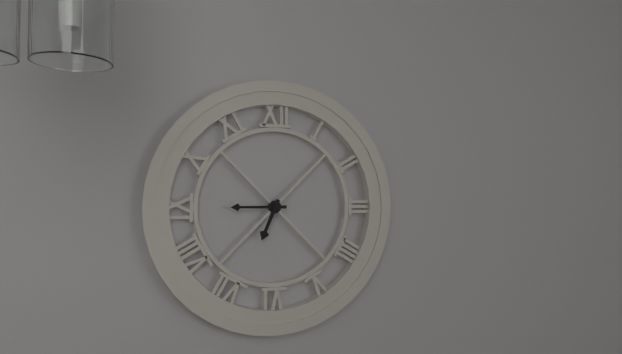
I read 6.45
